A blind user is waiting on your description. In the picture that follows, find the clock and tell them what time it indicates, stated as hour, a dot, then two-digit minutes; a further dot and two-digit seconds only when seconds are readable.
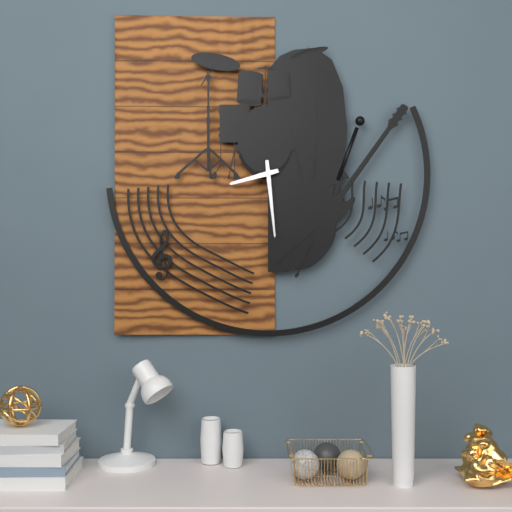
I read 8.29
